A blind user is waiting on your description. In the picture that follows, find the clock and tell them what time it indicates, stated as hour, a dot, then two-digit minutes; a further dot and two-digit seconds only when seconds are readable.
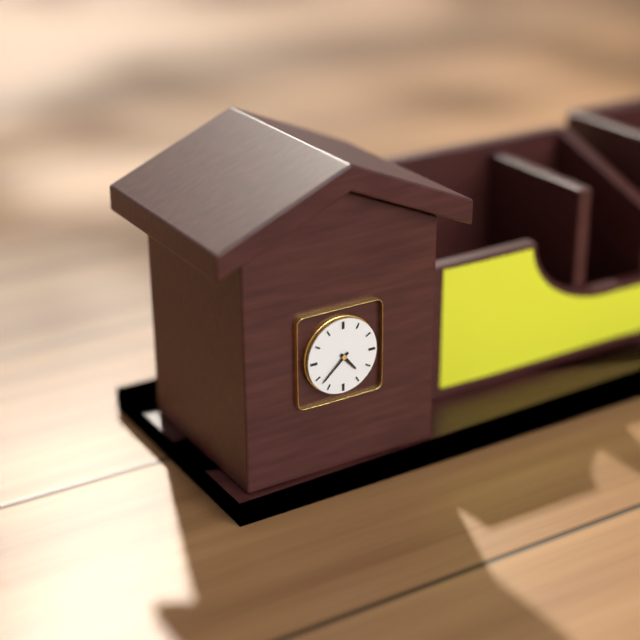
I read 4.38
